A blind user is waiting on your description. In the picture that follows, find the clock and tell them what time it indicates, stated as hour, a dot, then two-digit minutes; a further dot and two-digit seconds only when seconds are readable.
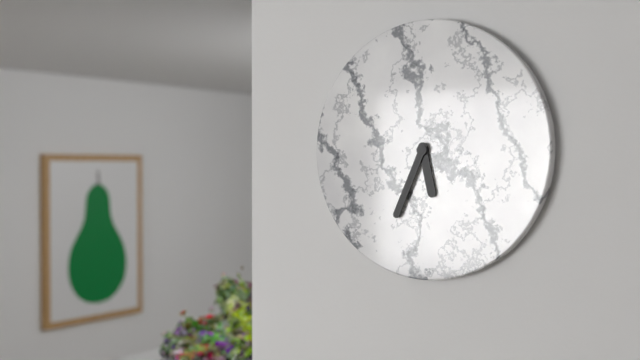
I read 5.34
